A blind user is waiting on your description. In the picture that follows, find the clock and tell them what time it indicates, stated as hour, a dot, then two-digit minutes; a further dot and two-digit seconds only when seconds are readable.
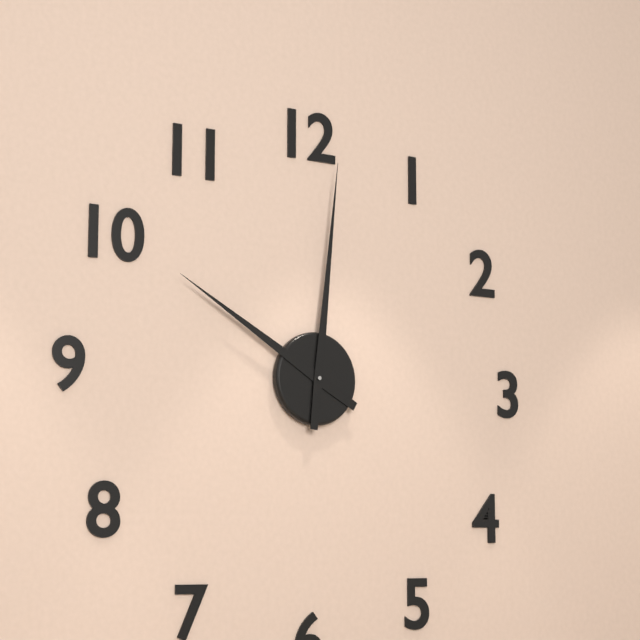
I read 10.01
